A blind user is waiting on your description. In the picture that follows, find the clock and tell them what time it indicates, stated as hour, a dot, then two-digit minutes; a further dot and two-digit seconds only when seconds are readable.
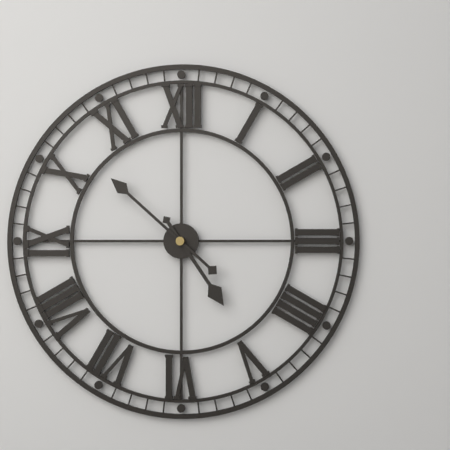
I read 4.52
